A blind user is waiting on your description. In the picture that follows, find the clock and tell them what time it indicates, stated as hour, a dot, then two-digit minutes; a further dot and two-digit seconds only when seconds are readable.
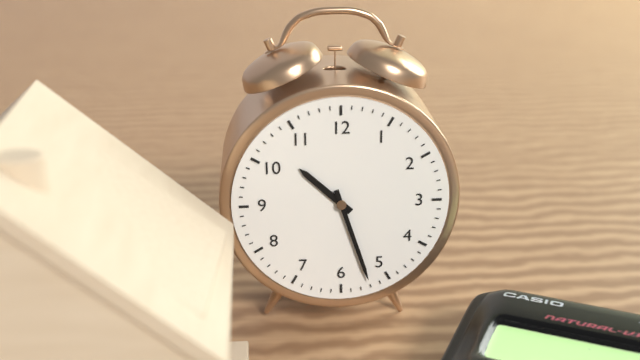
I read 10.27
